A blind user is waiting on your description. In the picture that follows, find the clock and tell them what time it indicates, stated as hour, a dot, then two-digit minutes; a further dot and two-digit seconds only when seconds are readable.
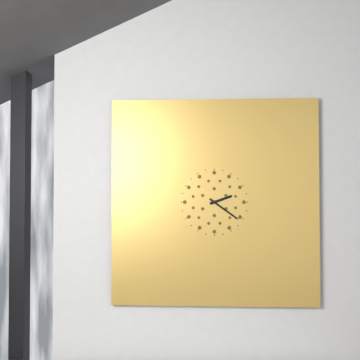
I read 2.21
